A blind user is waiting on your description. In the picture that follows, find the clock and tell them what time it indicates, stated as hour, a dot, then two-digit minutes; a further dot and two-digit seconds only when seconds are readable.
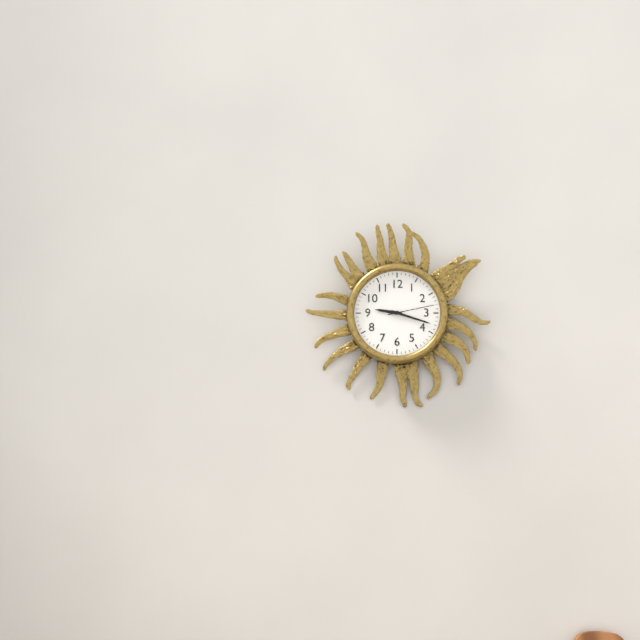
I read 9.18
